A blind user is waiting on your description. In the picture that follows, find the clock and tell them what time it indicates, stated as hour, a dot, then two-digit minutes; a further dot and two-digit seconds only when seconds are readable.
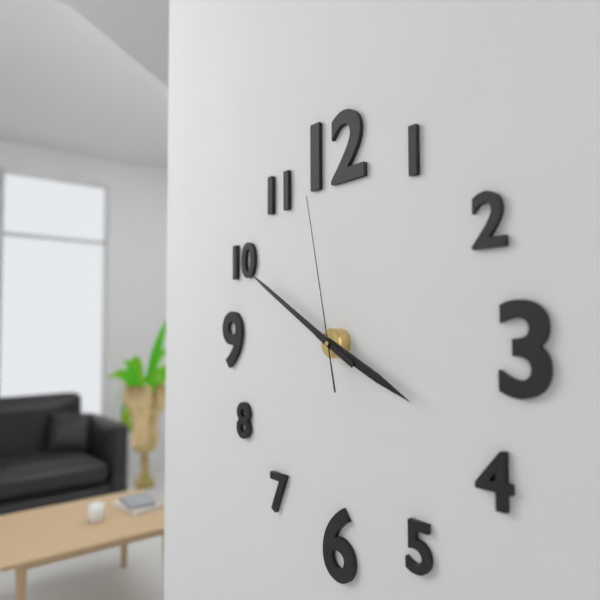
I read 3.50.58
